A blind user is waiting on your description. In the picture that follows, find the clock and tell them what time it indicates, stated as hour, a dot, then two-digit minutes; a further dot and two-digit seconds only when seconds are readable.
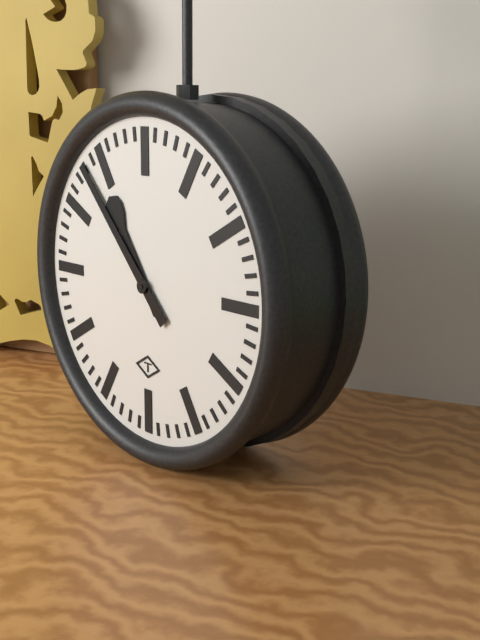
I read 10.53
